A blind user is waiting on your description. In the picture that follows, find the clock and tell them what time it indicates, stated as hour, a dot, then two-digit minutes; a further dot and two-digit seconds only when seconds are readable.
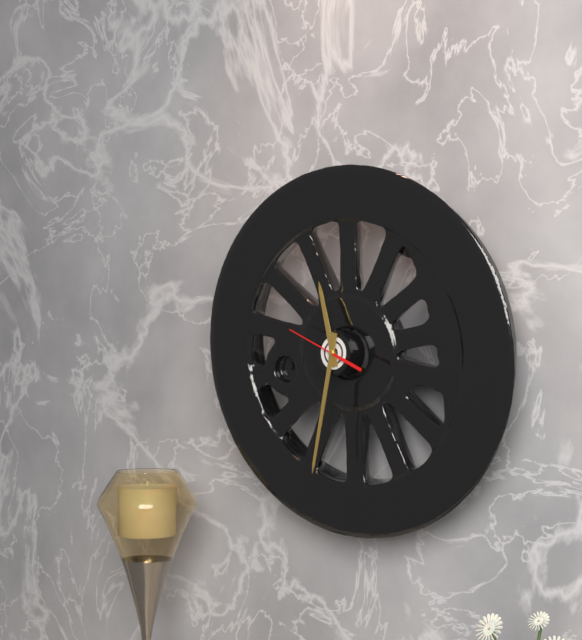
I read 11.32.49
